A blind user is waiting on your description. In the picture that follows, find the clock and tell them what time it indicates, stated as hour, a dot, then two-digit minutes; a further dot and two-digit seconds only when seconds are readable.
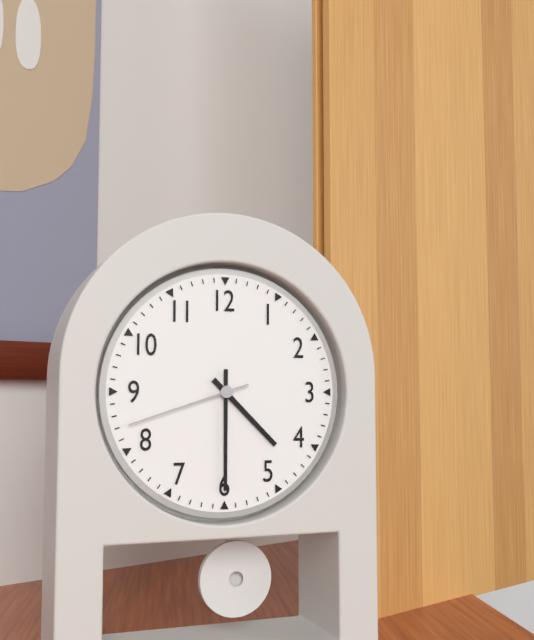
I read 4.30.42
